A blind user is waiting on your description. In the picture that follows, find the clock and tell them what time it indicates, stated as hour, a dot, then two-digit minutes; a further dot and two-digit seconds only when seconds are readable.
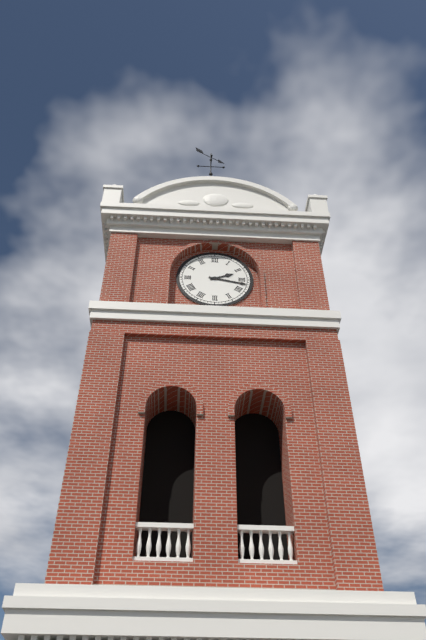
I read 2.17
